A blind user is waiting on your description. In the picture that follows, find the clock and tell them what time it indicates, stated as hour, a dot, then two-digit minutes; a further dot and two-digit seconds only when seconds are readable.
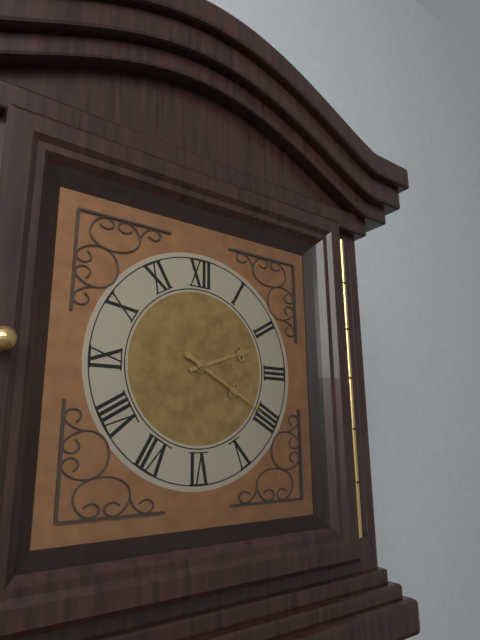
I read 2.20
